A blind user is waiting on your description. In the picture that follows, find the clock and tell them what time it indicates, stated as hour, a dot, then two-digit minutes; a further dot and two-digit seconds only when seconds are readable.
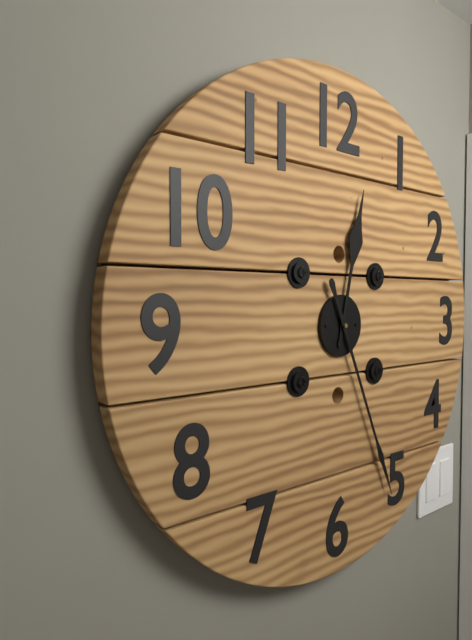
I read 12.26
